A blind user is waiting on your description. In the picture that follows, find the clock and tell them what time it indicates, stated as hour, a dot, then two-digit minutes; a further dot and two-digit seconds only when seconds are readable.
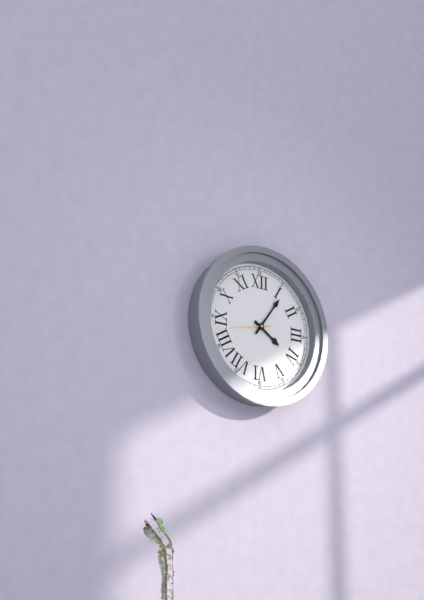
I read 4.06.43
